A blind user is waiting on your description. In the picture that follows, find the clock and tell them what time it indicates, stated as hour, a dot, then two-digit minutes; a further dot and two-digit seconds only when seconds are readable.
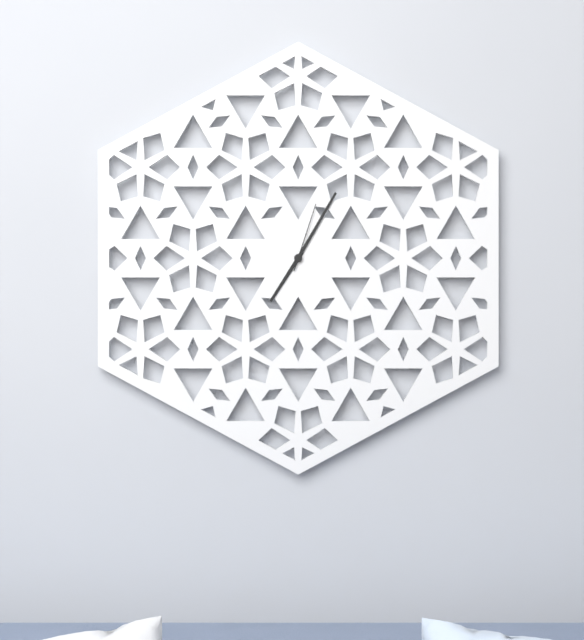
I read 7.05.03
